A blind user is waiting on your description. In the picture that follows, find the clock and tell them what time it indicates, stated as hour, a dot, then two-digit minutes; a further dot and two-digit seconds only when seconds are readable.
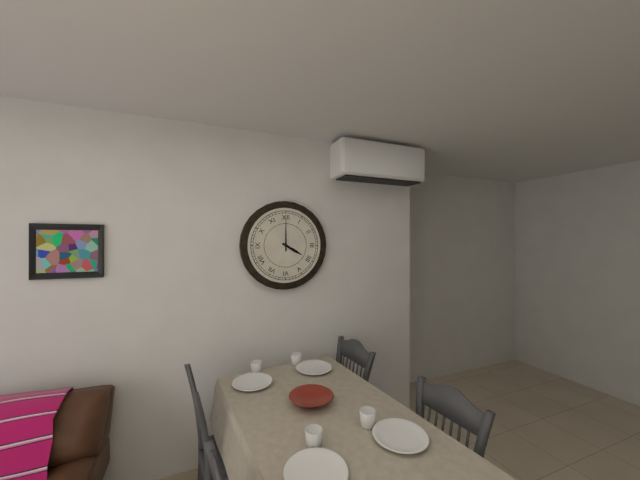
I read 4.00
